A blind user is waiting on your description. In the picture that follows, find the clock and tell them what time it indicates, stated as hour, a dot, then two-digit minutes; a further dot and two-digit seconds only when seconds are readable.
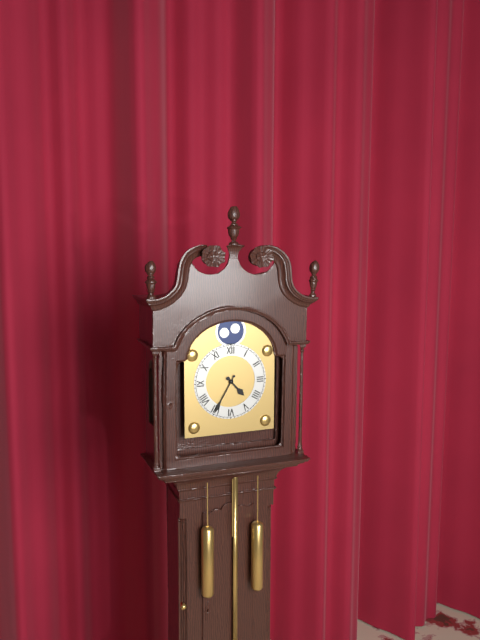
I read 4.35
